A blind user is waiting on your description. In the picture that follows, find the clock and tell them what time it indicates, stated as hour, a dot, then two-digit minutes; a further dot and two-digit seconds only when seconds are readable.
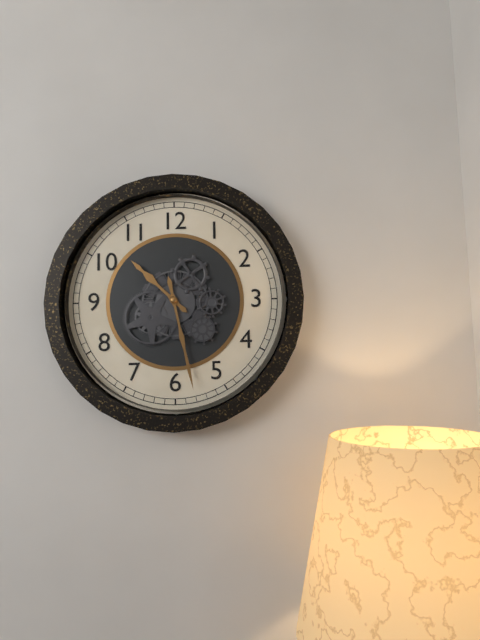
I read 10.28
